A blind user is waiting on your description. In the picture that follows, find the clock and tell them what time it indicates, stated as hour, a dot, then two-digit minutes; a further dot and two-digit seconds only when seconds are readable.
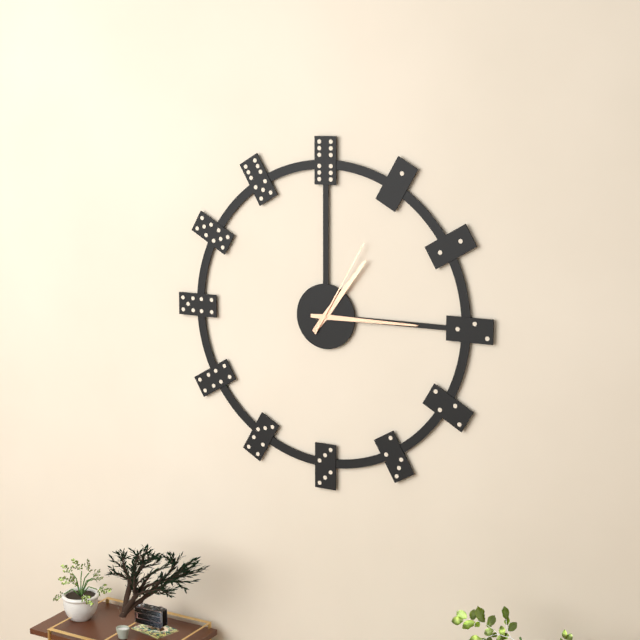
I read 1.15.05
